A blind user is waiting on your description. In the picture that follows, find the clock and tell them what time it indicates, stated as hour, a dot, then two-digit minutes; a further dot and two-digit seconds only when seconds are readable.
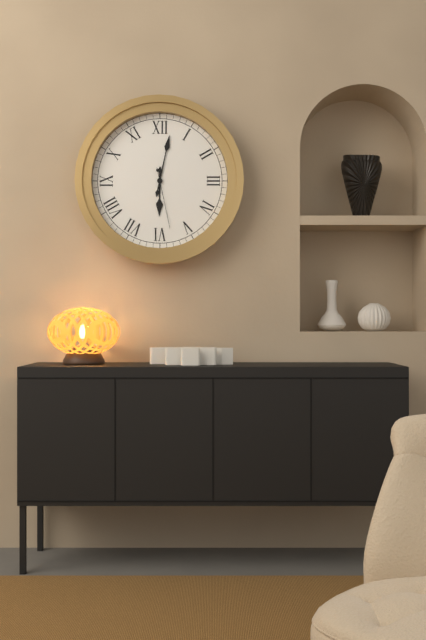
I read 6.02.28
